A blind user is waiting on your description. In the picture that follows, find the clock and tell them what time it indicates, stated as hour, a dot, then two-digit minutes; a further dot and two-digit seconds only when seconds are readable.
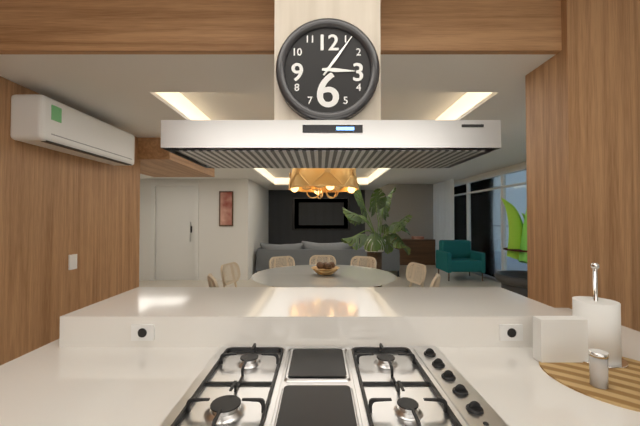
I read 3.06
